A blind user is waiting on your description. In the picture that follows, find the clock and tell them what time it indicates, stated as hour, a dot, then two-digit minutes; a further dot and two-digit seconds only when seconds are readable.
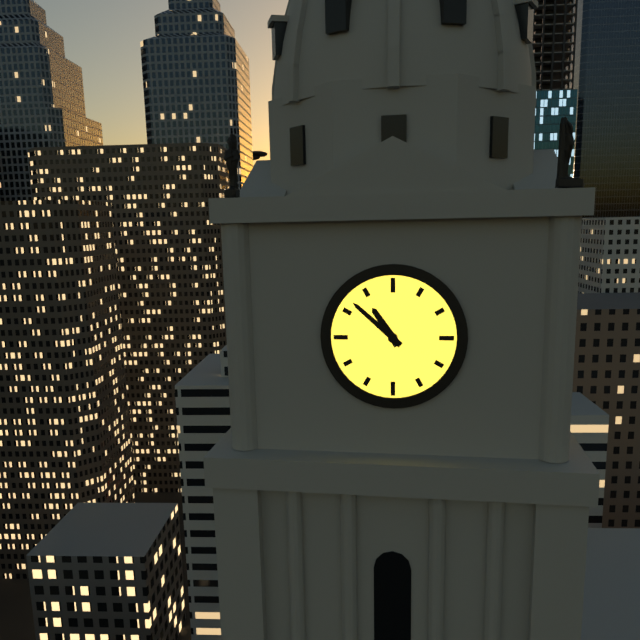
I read 10.52
